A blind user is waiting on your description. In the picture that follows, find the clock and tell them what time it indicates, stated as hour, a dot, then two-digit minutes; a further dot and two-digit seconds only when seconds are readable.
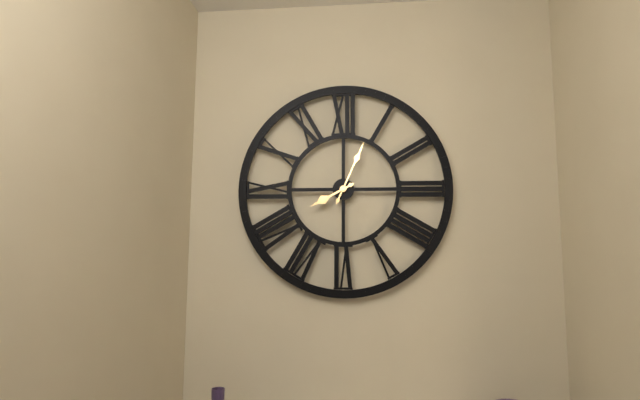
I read 8.04
